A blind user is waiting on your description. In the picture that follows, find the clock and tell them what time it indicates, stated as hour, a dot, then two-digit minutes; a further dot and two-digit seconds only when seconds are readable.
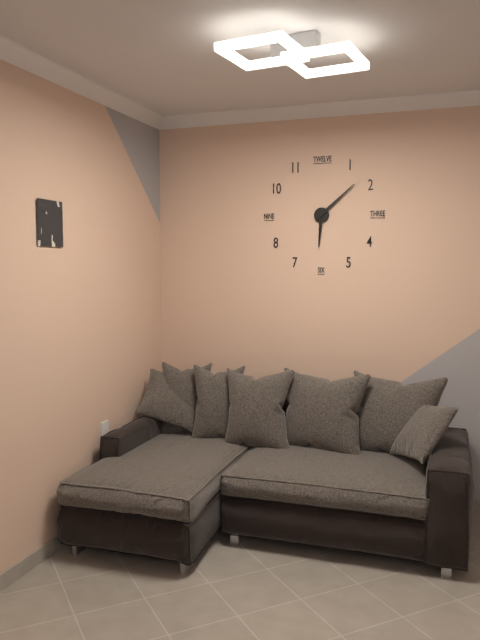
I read 6.08
